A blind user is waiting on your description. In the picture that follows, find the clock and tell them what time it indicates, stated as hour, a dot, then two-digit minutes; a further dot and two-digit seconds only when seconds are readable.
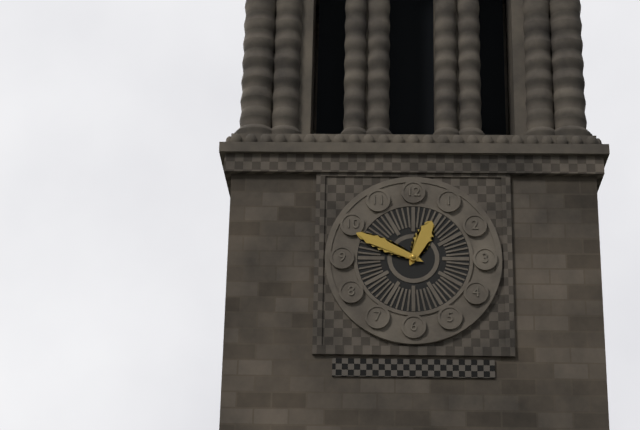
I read 12.49
